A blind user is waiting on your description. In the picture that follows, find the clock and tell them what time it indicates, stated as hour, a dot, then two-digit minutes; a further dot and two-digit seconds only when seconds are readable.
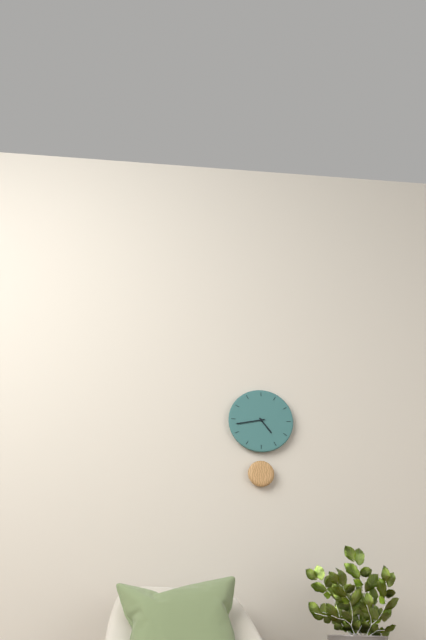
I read 4.43
